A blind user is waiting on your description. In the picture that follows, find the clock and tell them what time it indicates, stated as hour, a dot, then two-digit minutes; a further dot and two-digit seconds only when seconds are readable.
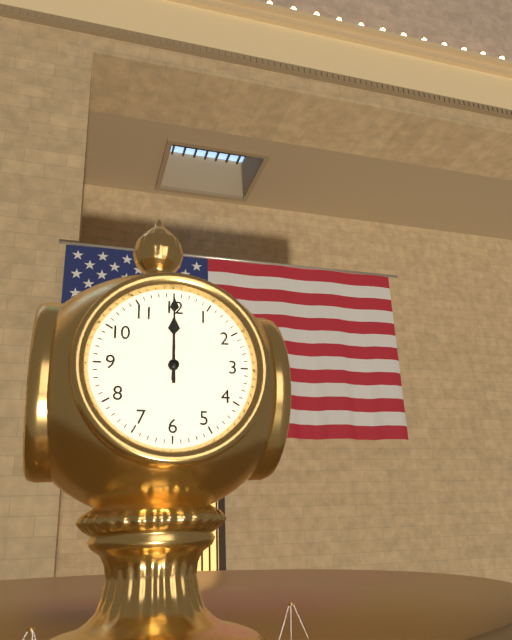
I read 12.00
